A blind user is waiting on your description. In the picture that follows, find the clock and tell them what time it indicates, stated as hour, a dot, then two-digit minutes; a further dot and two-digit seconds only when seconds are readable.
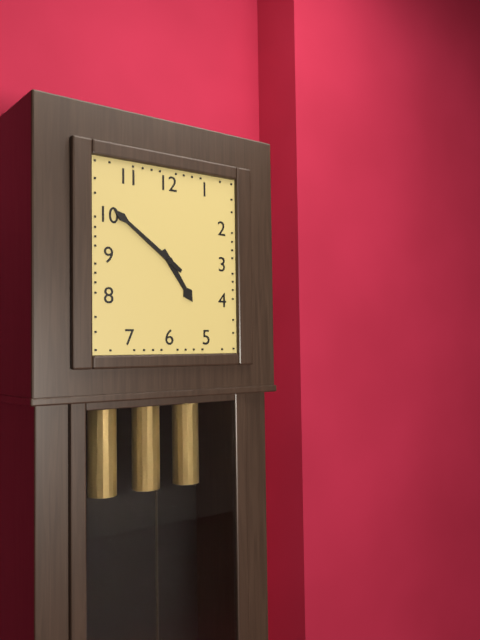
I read 4.51
